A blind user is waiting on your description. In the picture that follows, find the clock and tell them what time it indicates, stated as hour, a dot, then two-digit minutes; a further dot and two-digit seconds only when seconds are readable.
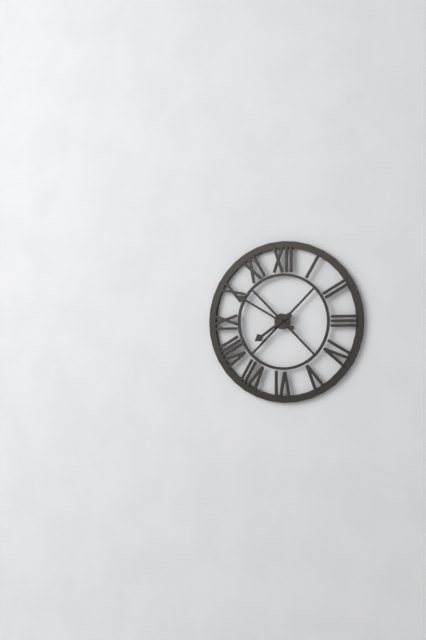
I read 7.50
